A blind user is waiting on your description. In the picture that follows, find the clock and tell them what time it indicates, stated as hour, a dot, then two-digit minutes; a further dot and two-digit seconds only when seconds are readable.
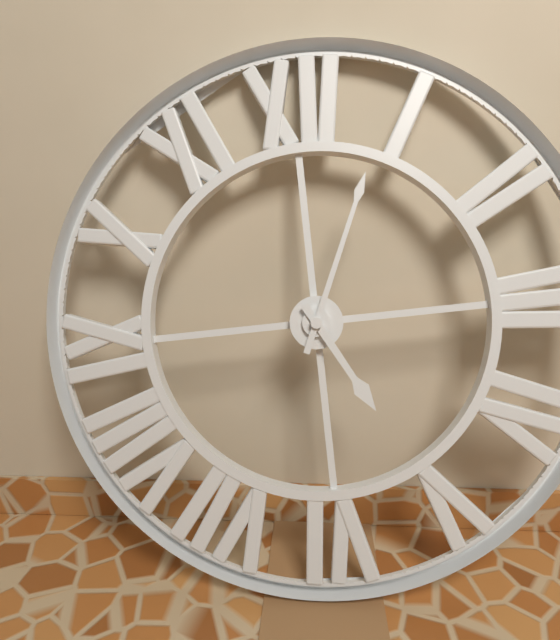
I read 5.04
